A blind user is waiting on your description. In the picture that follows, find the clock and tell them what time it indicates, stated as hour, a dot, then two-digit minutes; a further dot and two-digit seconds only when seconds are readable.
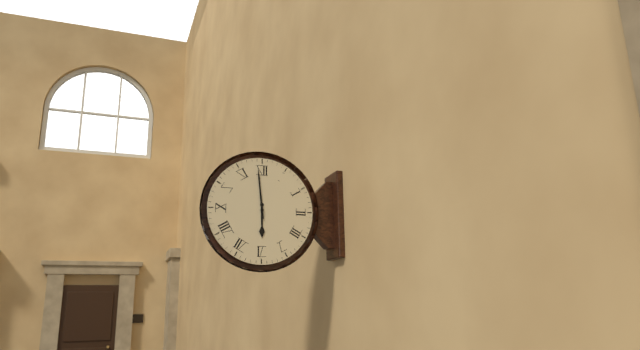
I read 5.59
